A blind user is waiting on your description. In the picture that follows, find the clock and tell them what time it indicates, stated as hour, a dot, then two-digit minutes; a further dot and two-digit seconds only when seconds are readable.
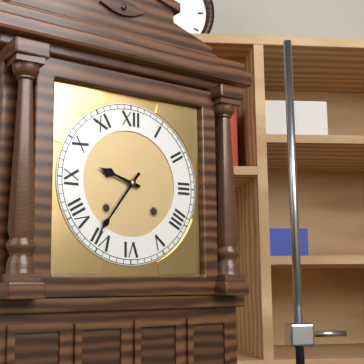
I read 9.36
